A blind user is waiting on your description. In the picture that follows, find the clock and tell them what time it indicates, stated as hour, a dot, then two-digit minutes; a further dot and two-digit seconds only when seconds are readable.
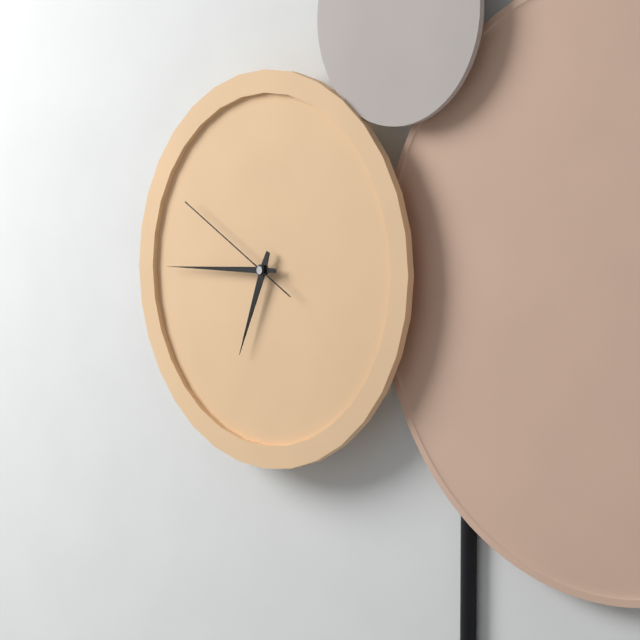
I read 6.45.50
